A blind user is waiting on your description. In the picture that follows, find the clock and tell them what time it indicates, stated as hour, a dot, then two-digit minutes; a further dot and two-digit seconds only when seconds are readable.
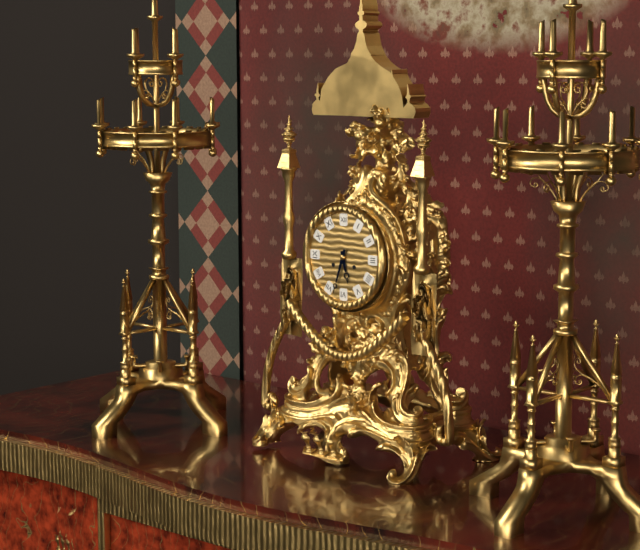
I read 5.33
